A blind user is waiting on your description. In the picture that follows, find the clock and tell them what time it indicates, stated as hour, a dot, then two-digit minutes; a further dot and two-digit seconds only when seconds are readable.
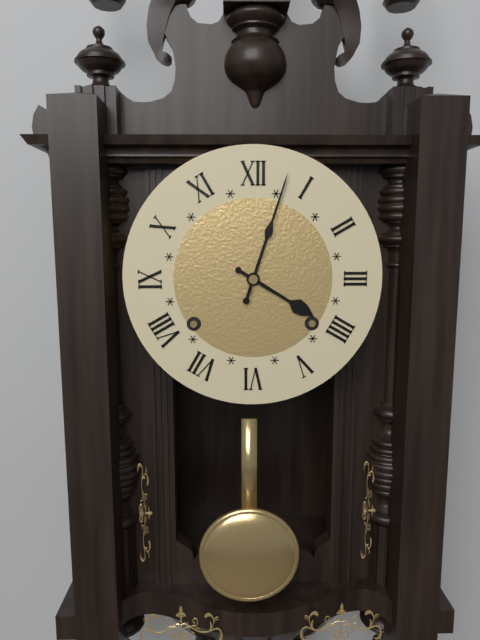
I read 4.03
